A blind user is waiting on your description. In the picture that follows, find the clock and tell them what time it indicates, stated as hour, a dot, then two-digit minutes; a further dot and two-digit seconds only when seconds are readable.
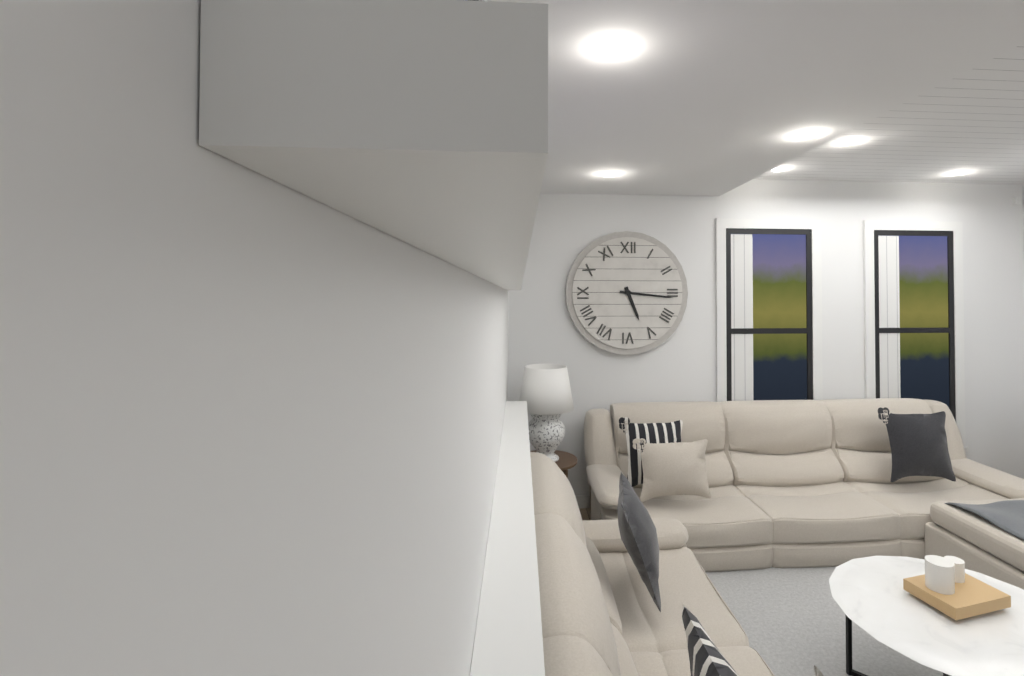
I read 5.16
